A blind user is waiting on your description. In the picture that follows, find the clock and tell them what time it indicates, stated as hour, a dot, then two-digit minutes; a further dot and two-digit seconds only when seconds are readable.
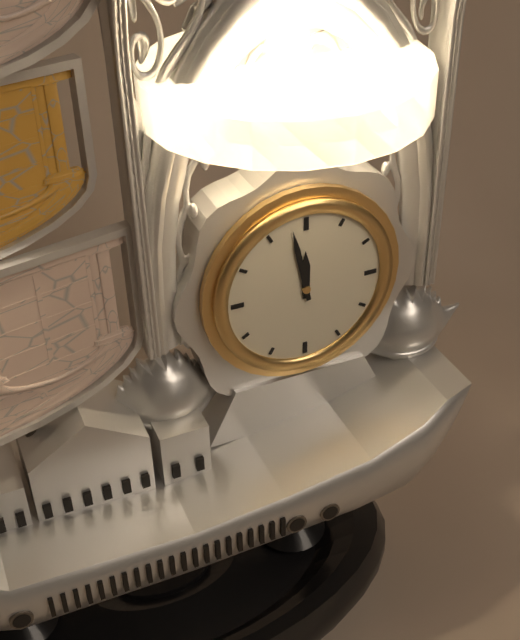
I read 11.58
